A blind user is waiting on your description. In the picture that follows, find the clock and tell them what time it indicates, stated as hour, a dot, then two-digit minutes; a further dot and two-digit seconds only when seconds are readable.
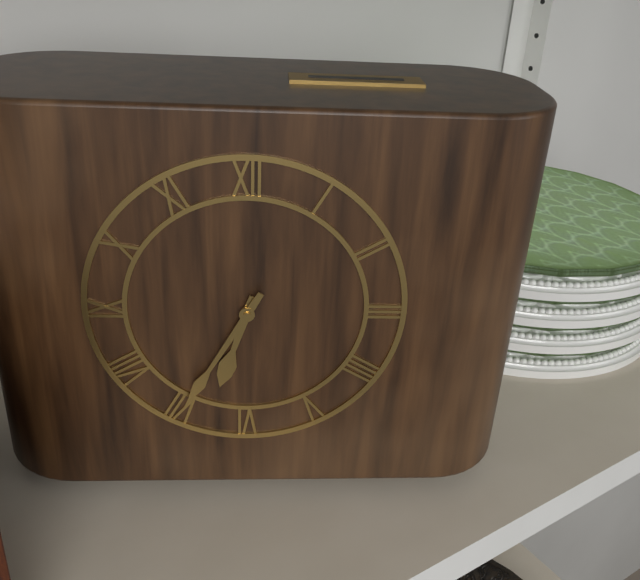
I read 6.35
